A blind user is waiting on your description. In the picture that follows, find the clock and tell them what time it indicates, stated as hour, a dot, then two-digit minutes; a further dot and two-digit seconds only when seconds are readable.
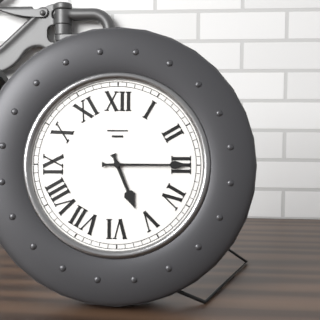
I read 5.15
